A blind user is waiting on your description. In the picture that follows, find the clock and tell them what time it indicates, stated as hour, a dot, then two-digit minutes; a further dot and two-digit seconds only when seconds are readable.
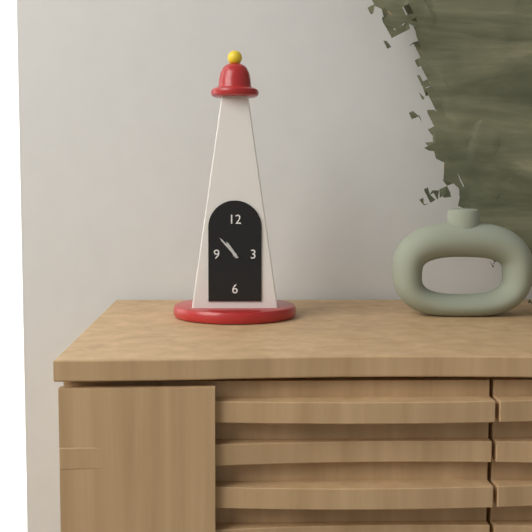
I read 10.53
